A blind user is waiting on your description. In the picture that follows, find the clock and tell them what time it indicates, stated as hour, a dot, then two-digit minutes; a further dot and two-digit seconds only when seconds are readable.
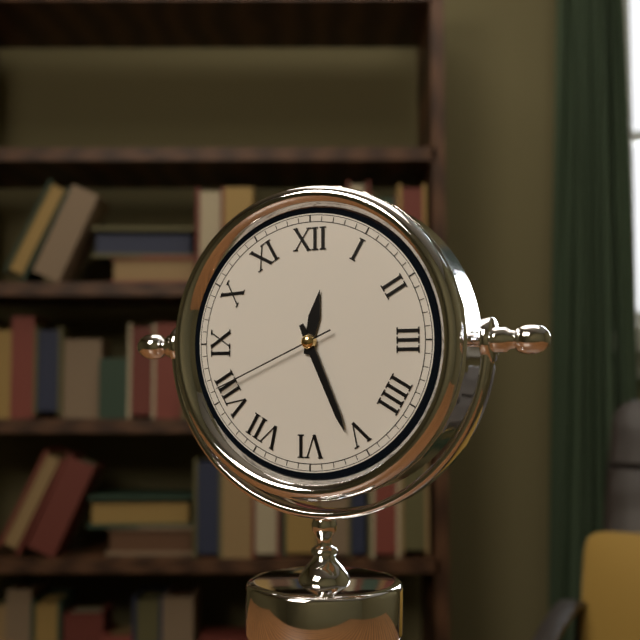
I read 12.26.41
